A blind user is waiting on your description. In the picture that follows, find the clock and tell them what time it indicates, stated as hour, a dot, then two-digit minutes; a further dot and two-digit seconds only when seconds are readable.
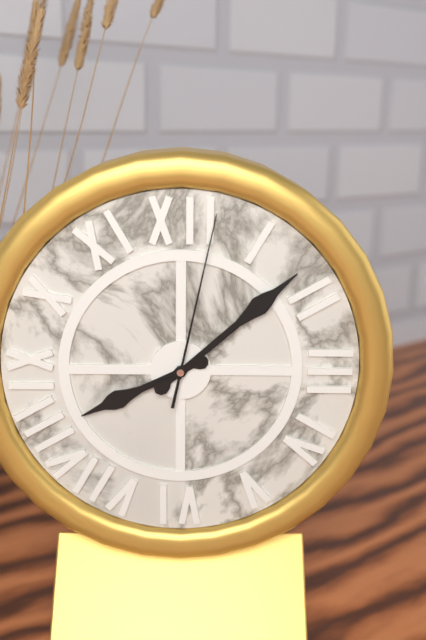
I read 8.08.02
